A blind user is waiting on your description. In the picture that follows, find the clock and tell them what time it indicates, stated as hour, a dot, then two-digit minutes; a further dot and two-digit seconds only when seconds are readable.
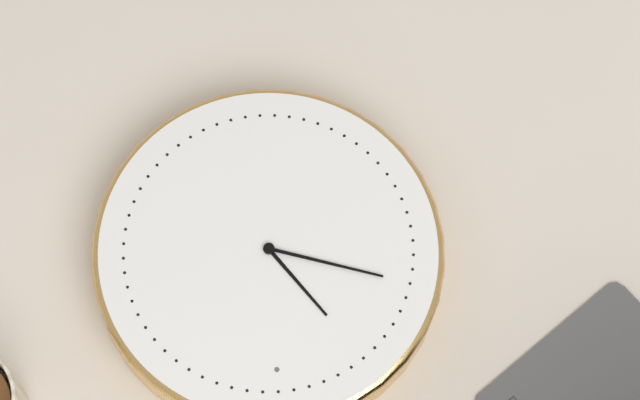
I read 10.48
